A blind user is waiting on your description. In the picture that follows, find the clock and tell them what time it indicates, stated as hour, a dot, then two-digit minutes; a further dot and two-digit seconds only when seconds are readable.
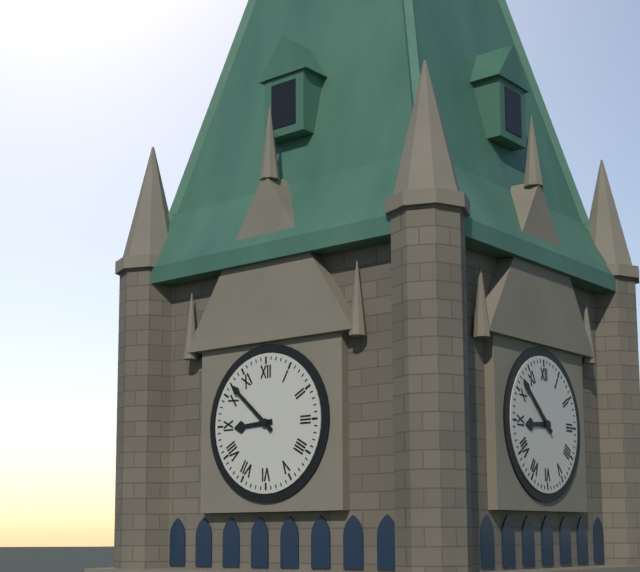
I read 8.52
